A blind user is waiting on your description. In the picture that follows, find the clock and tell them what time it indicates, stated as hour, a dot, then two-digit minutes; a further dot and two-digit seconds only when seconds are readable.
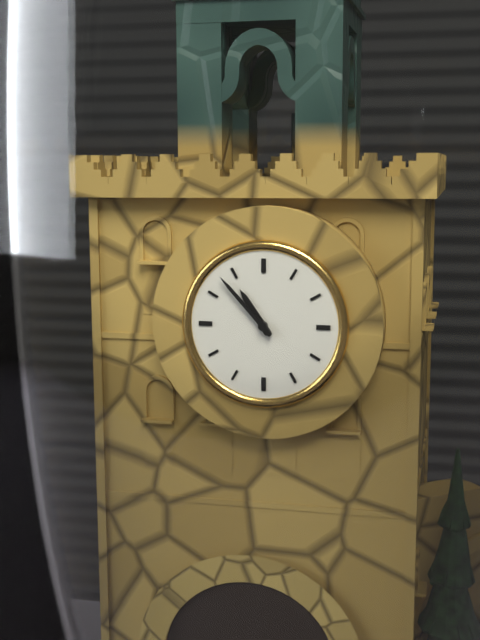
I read 10.53
